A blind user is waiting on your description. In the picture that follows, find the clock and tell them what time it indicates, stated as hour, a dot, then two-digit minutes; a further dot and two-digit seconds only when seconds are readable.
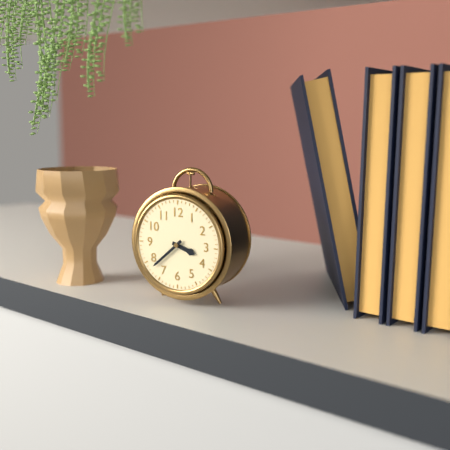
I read 3.38
